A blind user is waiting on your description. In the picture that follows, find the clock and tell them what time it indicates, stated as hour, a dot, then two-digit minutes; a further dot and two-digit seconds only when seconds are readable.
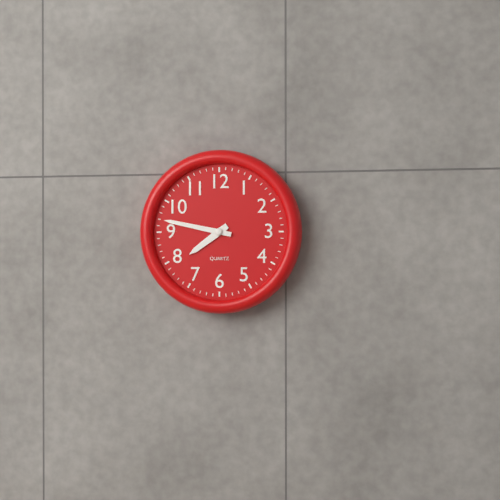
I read 7.47
